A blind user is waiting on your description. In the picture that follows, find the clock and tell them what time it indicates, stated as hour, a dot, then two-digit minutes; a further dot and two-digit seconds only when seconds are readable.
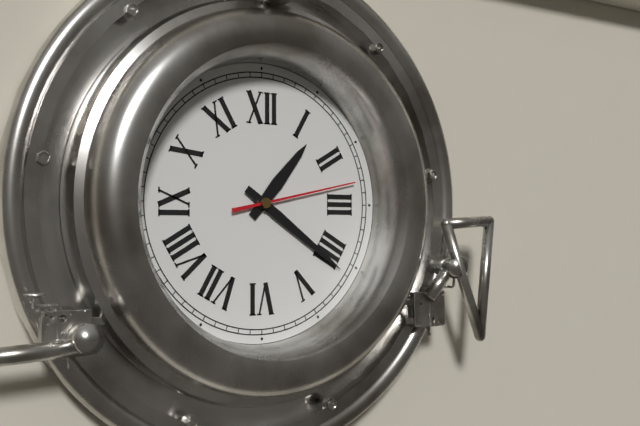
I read 1.21.13
